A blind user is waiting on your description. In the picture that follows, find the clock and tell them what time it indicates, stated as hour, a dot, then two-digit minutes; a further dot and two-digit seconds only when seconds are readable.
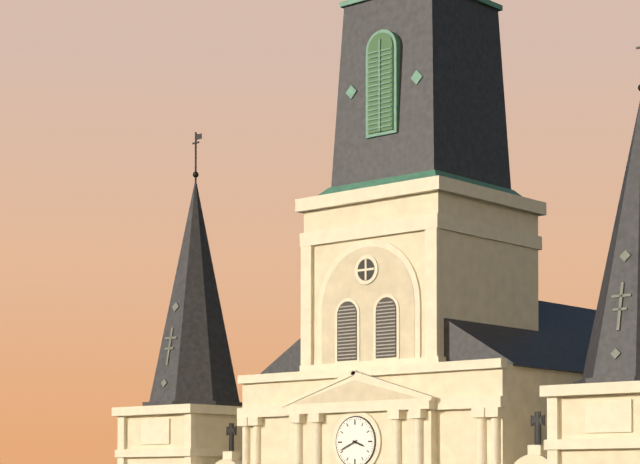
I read 3.41
